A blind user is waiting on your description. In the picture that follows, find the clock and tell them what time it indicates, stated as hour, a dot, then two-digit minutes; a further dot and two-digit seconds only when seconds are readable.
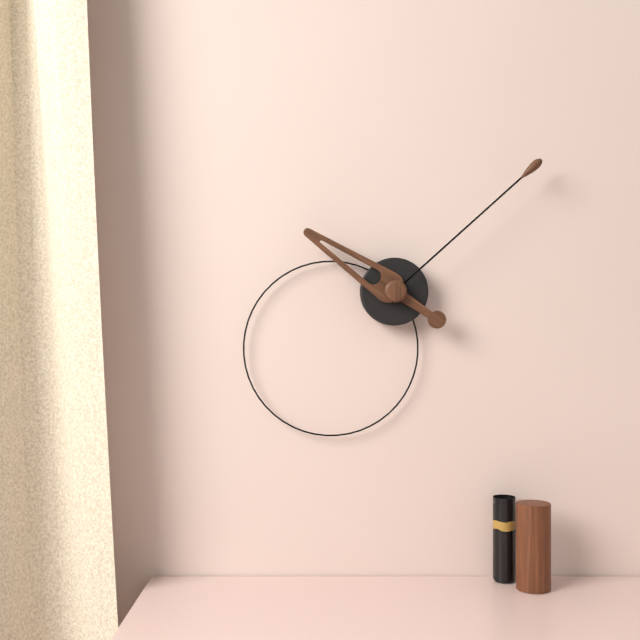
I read 10.08
